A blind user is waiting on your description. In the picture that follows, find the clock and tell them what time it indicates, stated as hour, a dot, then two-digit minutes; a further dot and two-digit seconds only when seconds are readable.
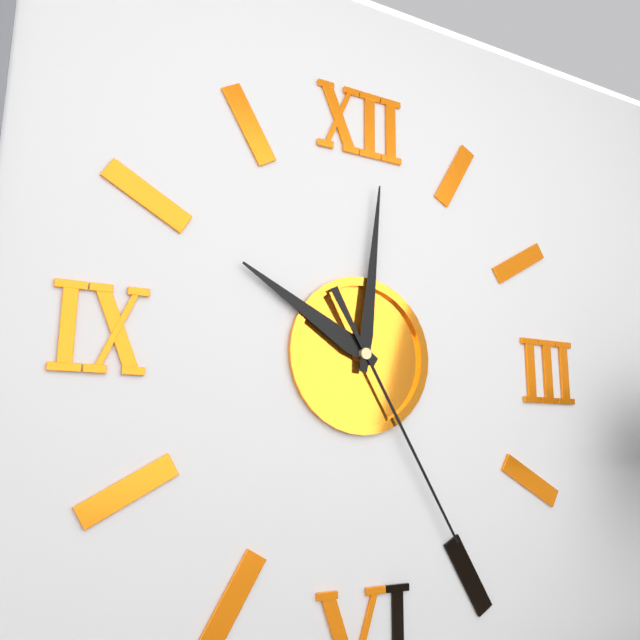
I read 10.01.25
